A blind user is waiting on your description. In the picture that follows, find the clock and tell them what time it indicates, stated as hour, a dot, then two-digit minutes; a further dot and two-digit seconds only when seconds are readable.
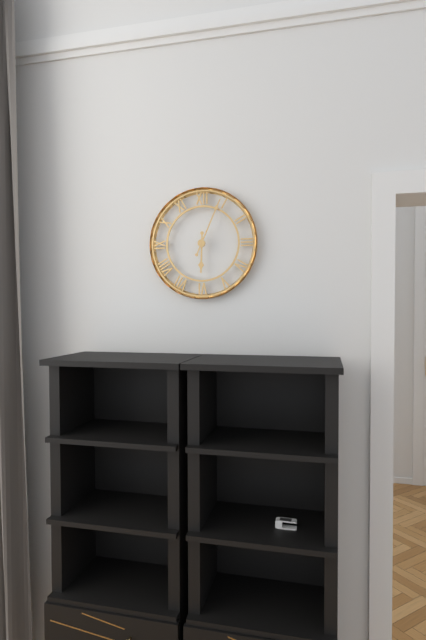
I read 6.04
